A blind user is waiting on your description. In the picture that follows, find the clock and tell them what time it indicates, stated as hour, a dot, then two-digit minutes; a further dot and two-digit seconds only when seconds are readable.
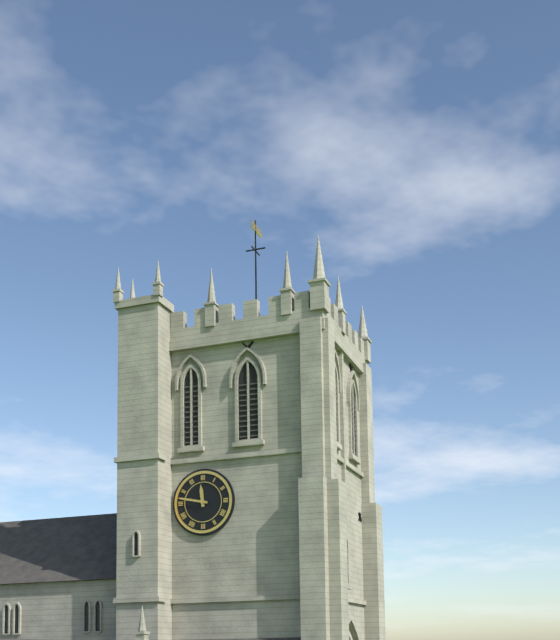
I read 11.47
